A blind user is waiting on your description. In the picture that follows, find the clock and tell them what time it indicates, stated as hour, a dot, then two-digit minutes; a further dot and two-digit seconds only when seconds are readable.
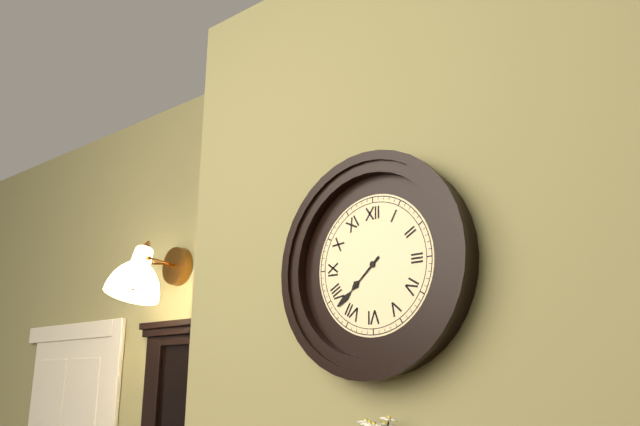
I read 7.38
